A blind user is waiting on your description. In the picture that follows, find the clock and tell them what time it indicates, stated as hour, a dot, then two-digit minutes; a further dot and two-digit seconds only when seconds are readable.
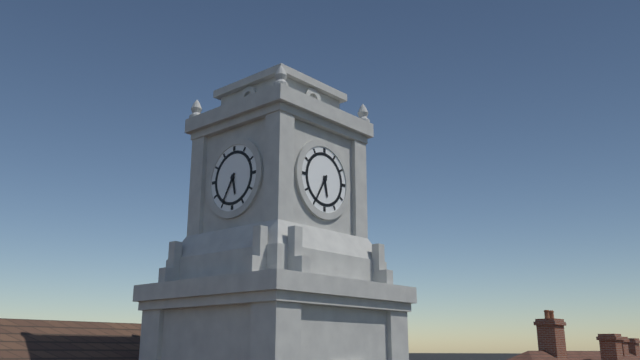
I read 5.35
